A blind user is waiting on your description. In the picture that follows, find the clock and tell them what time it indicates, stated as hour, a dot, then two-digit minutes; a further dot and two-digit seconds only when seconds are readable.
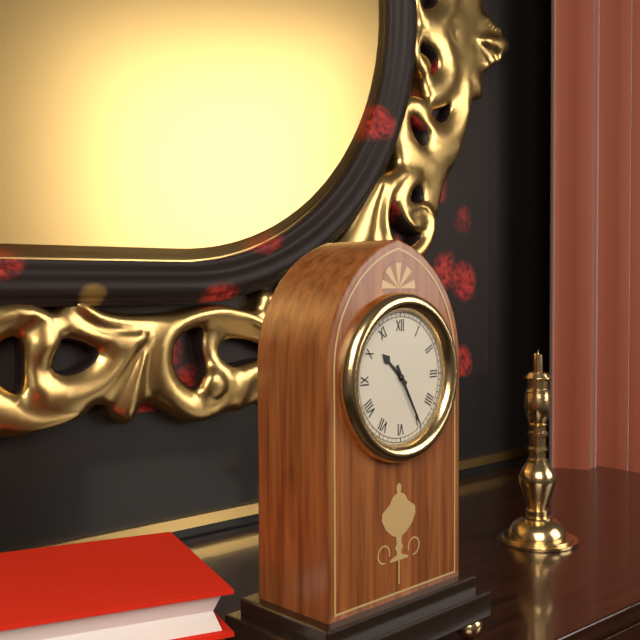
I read 10.25
